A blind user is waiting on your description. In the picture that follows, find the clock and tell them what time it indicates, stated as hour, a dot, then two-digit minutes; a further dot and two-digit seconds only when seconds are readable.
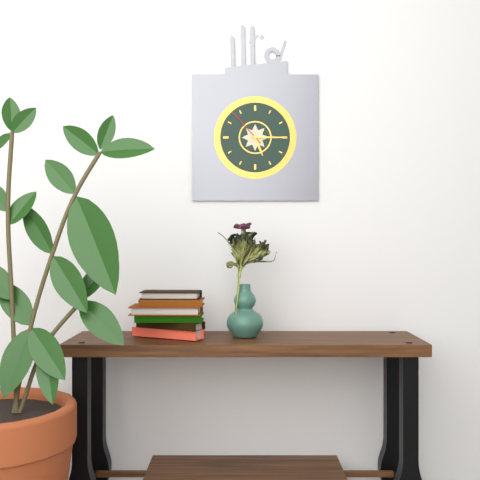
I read 5.15
